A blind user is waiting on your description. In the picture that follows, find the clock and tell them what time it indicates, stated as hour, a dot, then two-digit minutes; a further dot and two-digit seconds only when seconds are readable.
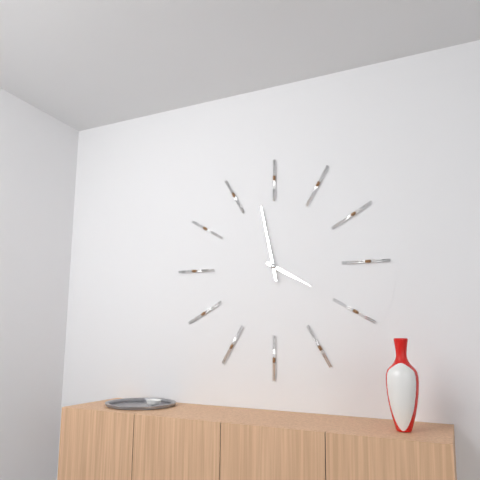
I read 3.58
